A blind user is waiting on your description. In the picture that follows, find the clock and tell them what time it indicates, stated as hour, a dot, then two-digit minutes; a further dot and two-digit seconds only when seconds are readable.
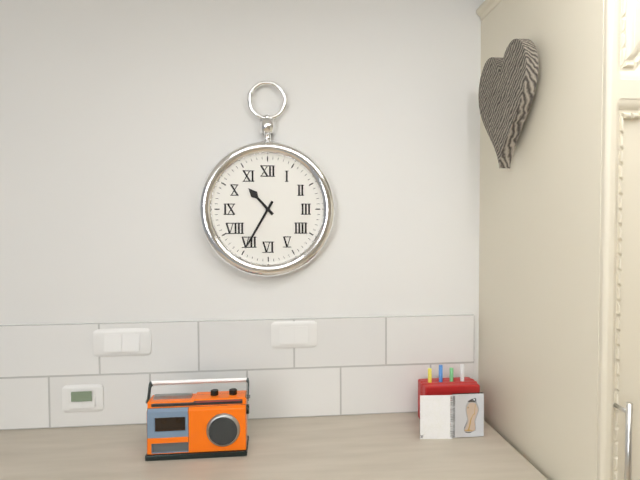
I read 10.35
